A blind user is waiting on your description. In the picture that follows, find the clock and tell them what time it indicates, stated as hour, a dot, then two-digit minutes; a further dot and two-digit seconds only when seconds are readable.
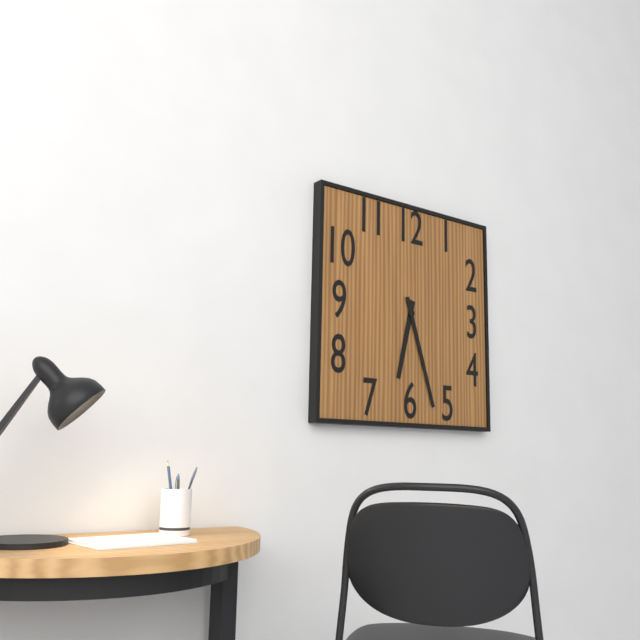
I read 6.27
